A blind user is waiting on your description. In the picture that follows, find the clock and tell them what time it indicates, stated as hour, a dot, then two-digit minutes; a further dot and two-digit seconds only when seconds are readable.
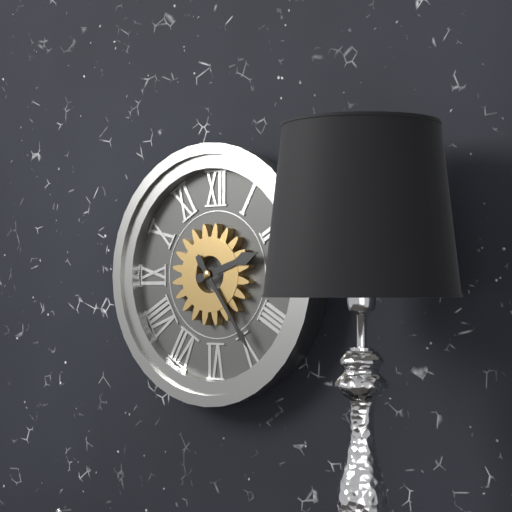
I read 2.24
